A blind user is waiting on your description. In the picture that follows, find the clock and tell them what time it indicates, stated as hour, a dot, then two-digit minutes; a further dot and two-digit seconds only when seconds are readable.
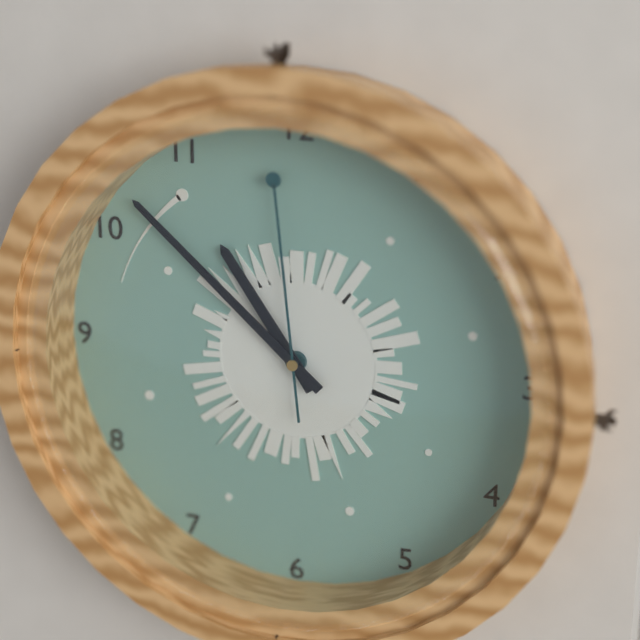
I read 10.52.59
